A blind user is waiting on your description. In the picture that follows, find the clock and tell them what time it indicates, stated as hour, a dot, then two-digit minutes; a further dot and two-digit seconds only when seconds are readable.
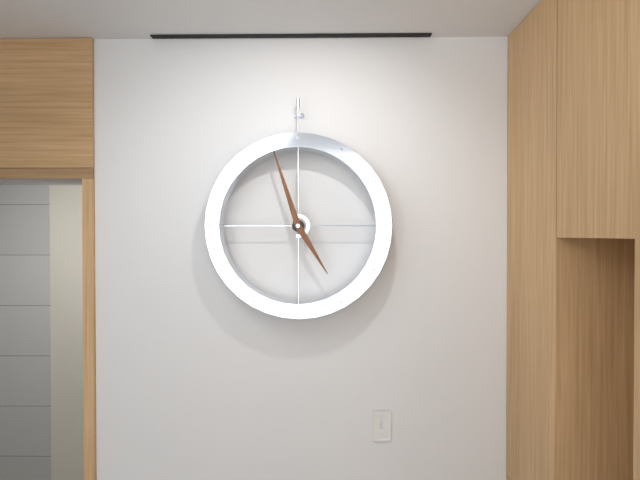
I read 4.57
